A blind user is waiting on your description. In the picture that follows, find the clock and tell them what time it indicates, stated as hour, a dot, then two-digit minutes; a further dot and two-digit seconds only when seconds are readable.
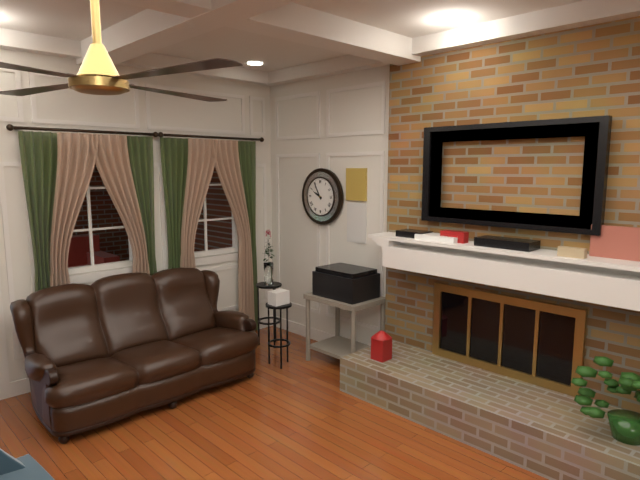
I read 9.55
